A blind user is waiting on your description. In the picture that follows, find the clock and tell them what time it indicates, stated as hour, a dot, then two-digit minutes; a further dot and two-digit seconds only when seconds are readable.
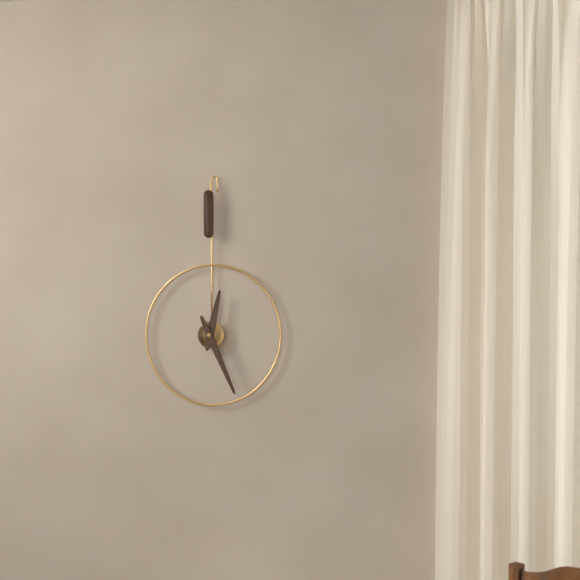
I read 12.26
